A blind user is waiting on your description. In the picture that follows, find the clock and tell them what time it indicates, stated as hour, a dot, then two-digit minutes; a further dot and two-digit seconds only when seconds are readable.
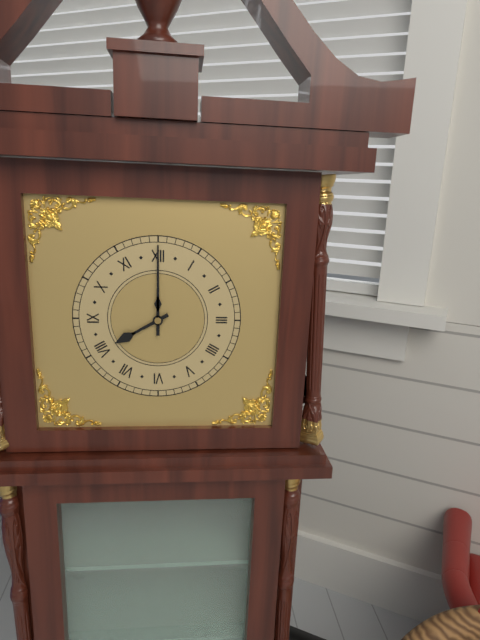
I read 8.00
